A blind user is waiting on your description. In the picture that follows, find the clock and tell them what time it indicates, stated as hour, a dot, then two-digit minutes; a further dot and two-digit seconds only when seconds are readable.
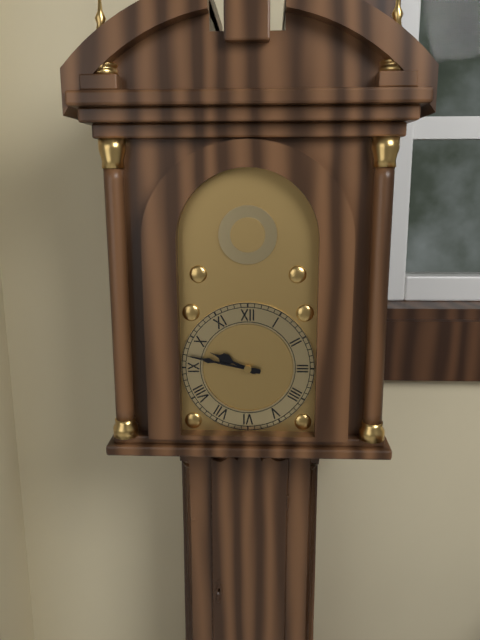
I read 9.47
